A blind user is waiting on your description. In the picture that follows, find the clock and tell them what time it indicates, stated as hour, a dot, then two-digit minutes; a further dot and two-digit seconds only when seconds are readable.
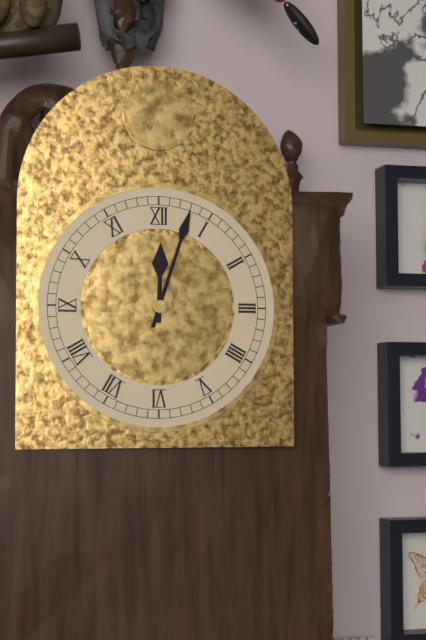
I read 12.03
